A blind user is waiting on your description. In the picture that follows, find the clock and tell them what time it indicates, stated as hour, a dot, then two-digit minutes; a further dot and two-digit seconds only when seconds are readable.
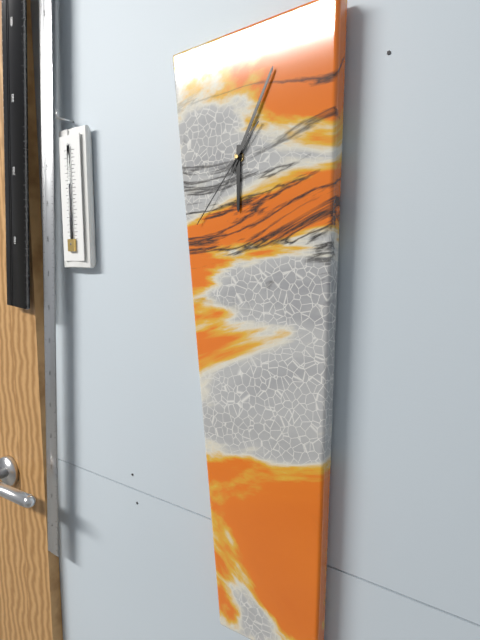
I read 6.05.37
